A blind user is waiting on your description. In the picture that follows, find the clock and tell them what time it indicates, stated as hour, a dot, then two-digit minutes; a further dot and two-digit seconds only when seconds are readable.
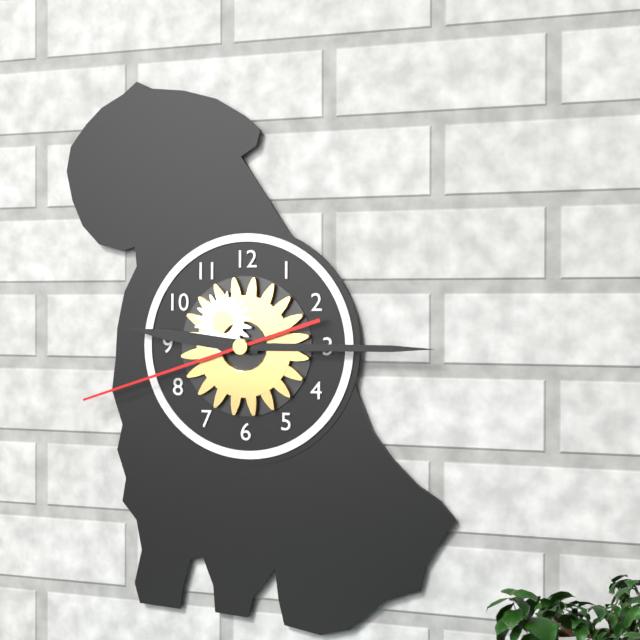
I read 9.15.42
